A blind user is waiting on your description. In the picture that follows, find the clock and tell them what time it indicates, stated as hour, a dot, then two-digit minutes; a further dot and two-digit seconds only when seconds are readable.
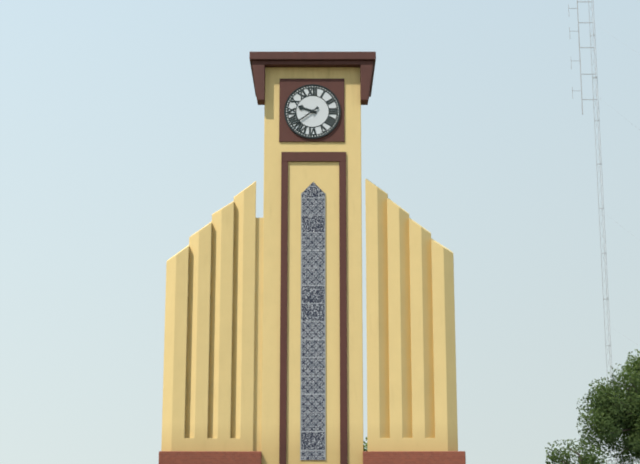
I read 9.39
